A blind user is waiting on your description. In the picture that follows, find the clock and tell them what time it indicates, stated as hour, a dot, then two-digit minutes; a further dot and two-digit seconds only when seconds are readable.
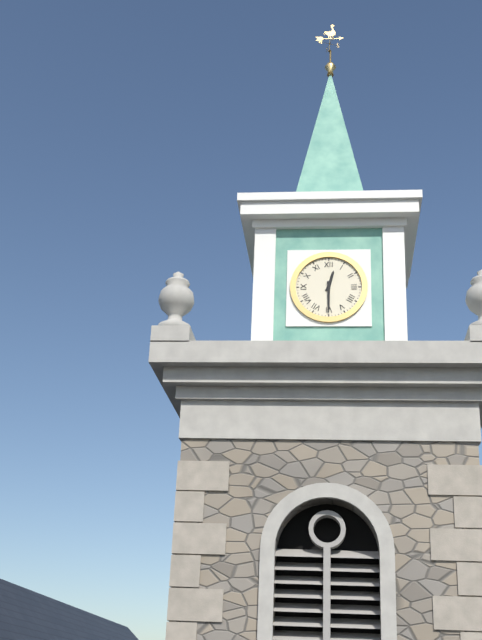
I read 12.30
